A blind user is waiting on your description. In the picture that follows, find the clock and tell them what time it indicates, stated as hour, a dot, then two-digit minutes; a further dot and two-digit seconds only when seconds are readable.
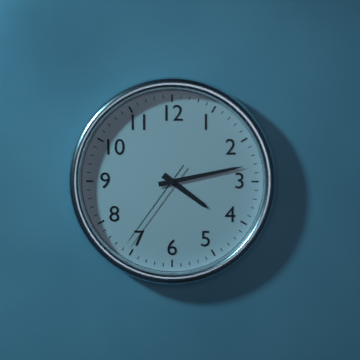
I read 4.13.36
